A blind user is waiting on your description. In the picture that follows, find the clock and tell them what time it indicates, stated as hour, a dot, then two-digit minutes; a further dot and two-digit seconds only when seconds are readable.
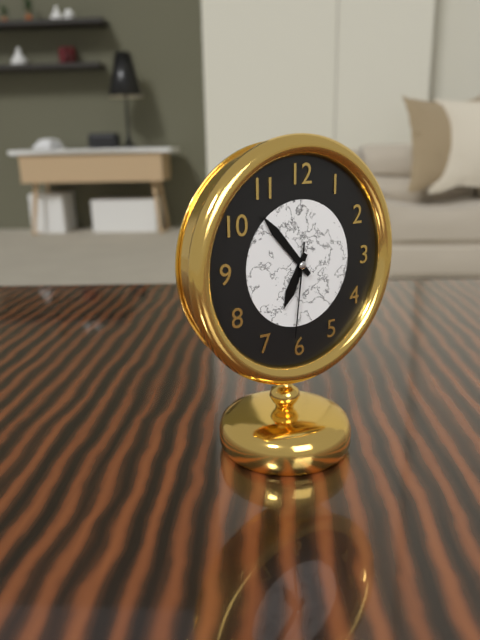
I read 6.53.31
